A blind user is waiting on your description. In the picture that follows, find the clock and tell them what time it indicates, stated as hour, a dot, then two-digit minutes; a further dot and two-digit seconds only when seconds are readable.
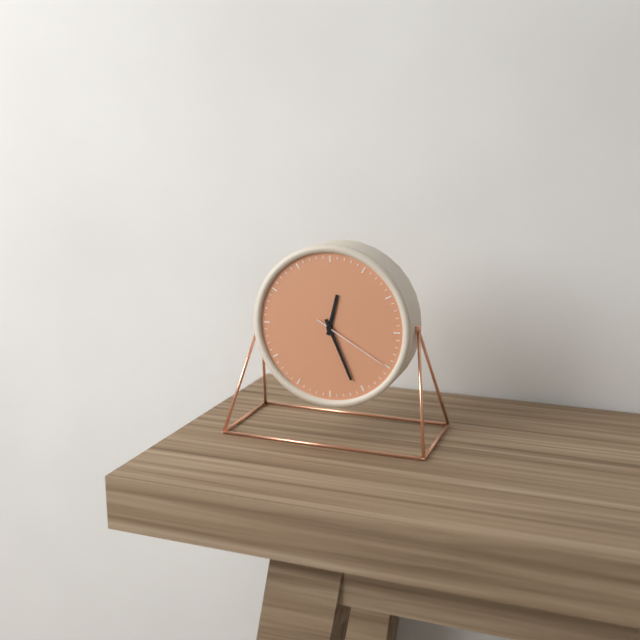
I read 12.26.20
